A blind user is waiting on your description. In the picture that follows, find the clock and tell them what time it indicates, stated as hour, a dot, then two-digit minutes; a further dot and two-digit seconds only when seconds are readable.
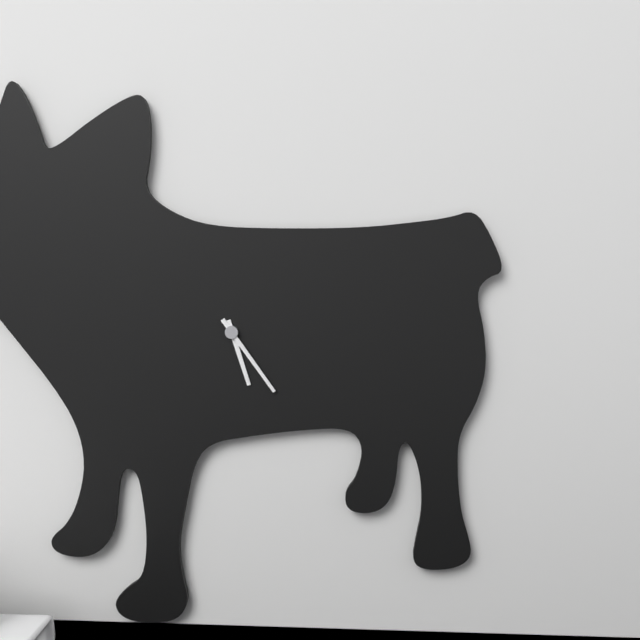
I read 5.24
